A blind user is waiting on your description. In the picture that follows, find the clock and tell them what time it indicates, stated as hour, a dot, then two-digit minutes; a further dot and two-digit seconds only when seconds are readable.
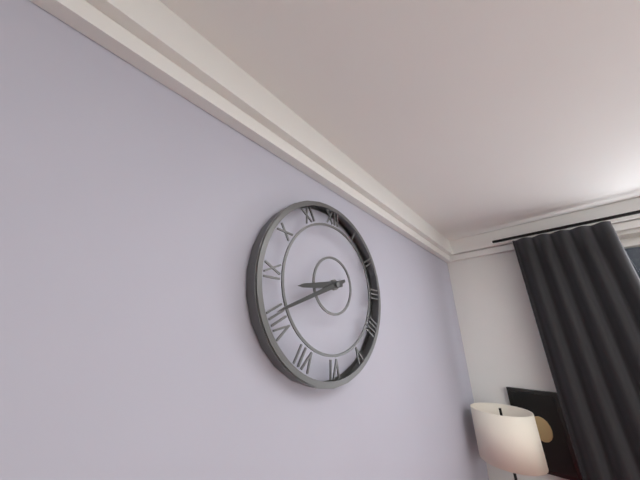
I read 8.41
